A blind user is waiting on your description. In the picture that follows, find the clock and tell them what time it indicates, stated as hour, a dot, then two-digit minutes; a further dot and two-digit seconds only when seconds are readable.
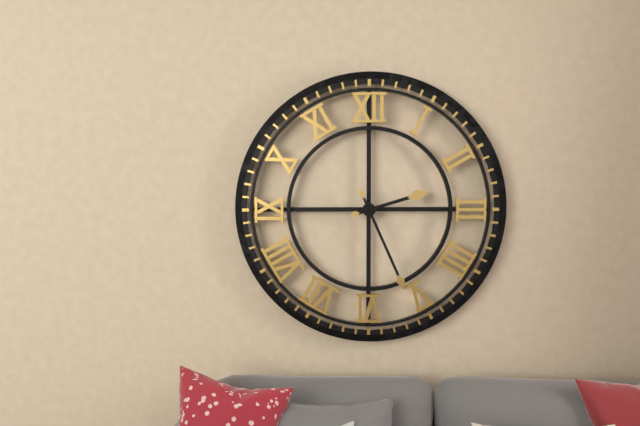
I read 2.26
